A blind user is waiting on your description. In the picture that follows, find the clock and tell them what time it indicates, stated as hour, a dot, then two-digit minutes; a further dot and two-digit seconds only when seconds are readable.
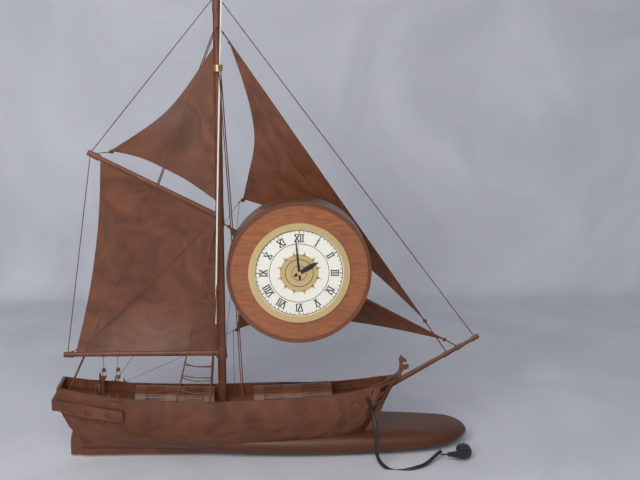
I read 1.59
